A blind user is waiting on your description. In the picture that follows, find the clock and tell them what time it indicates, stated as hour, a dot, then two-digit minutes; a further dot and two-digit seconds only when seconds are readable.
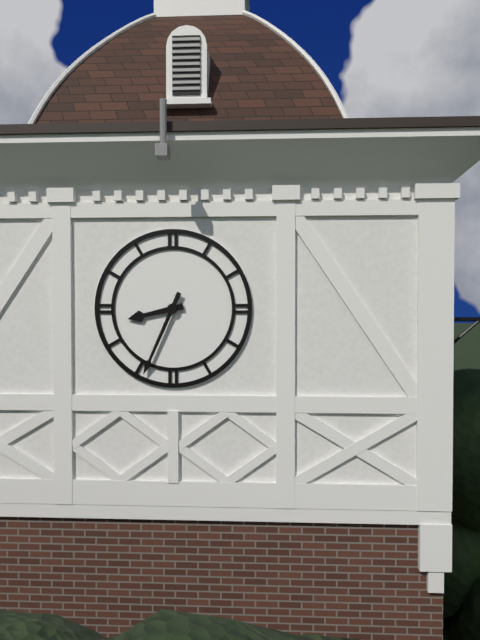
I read 8.34
